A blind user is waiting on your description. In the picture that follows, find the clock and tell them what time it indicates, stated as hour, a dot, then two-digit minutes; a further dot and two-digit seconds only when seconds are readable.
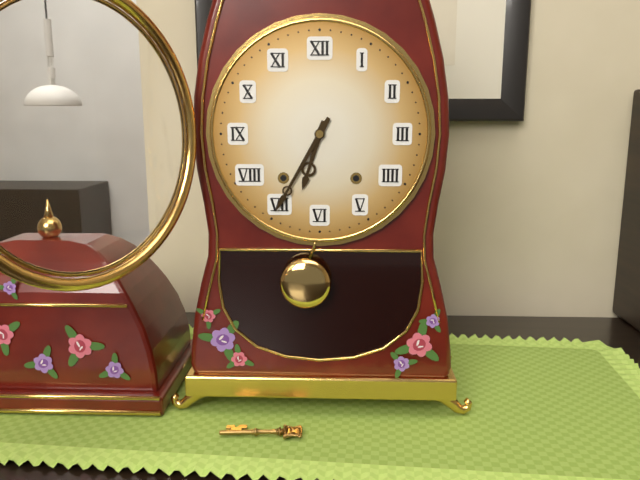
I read 6.35
